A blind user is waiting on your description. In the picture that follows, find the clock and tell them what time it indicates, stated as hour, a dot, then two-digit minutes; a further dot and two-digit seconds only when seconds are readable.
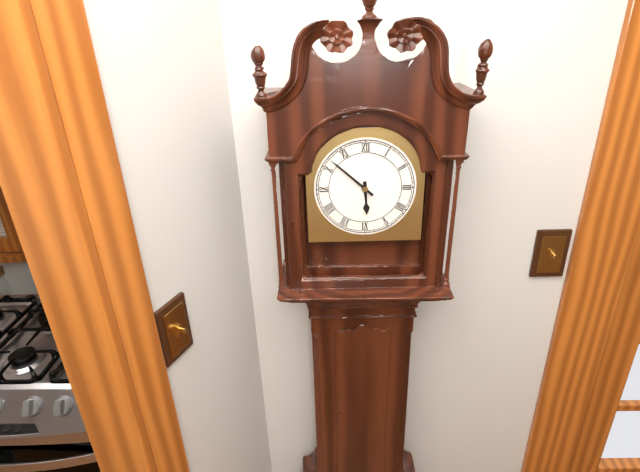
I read 5.52
